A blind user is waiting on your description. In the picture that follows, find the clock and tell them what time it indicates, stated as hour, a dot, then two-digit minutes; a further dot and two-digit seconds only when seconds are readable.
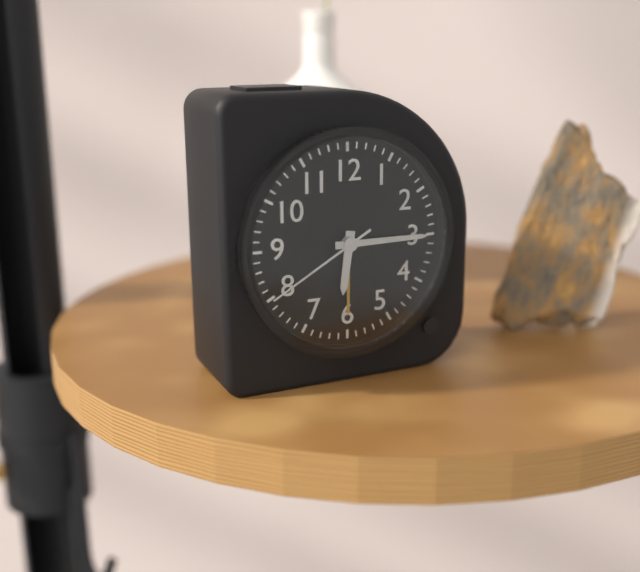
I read 6.15.40
